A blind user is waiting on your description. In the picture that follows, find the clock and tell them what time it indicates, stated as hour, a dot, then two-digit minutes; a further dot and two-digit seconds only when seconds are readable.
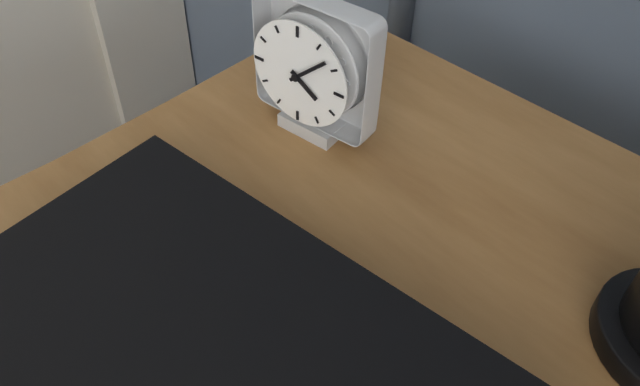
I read 4.08
